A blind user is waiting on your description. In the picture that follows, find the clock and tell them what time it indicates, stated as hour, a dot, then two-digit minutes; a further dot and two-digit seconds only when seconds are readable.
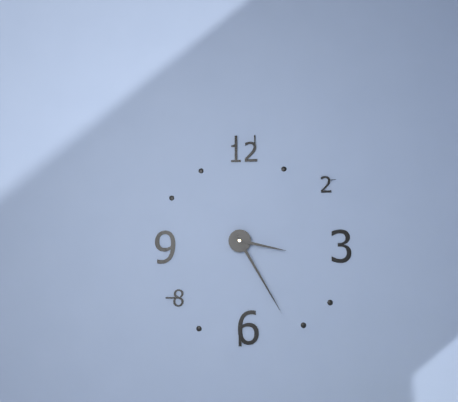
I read 3.25
